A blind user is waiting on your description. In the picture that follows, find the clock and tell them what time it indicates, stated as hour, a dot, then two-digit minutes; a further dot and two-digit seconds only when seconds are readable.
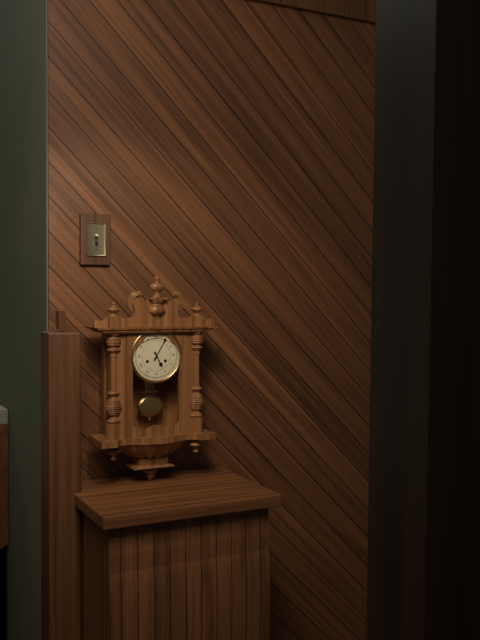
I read 5.05
